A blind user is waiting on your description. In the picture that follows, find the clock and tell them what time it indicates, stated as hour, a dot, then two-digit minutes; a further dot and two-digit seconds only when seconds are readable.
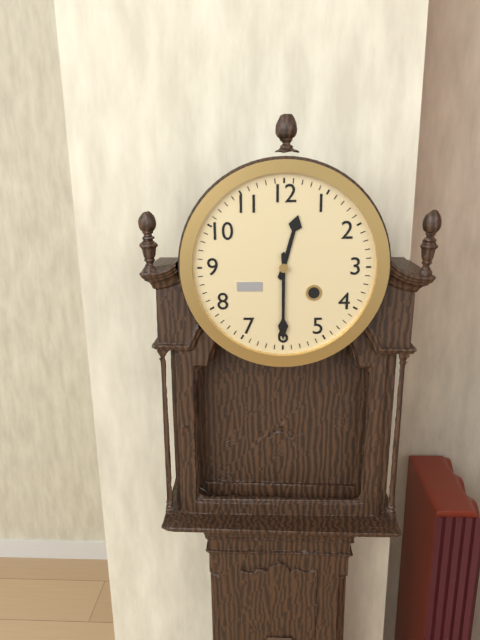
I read 12.30
